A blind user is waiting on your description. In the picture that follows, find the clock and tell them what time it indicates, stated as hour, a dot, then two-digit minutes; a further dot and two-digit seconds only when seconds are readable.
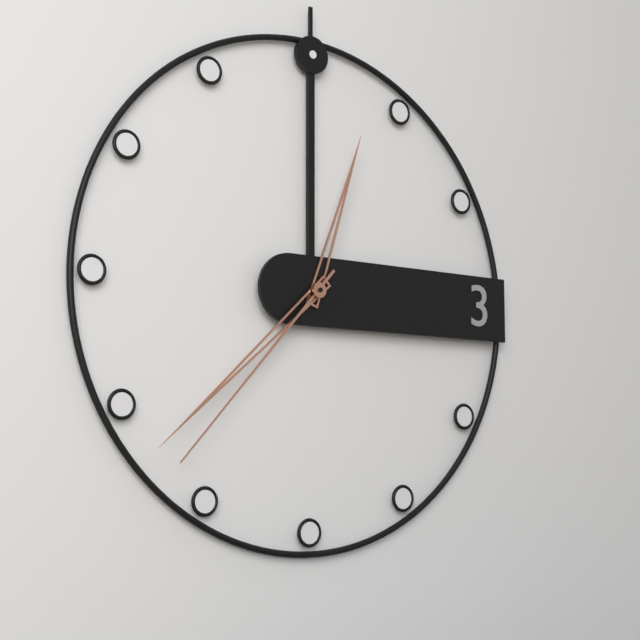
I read 12.38.37
